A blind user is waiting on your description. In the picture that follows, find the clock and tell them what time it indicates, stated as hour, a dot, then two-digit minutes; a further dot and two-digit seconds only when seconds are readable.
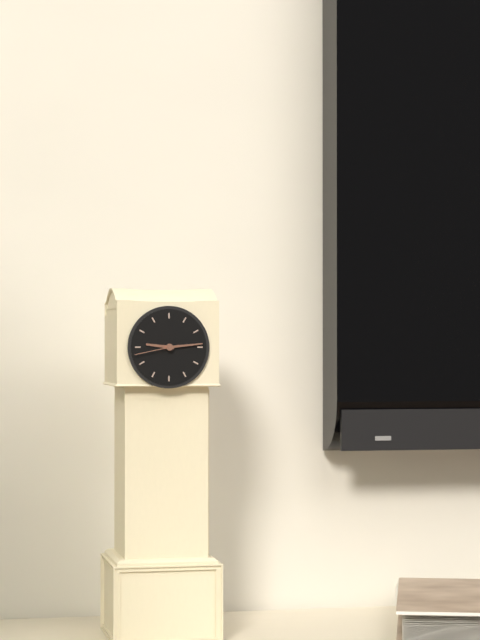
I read 9.14
